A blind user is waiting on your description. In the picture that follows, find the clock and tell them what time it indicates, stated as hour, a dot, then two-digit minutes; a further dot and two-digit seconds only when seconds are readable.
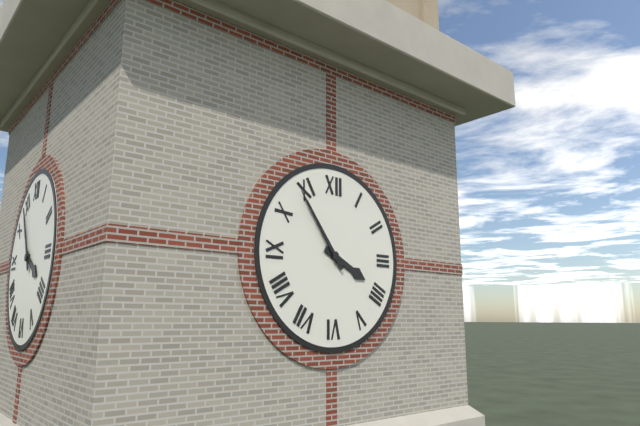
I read 3.54
